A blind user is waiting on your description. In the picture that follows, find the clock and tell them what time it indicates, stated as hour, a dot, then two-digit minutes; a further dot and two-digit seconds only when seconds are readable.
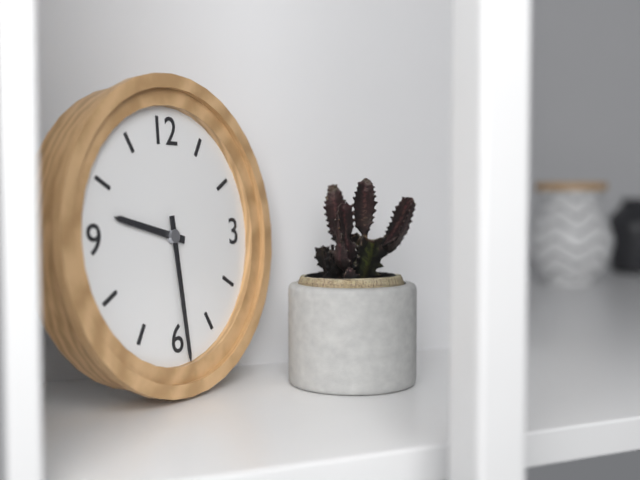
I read 9.29
